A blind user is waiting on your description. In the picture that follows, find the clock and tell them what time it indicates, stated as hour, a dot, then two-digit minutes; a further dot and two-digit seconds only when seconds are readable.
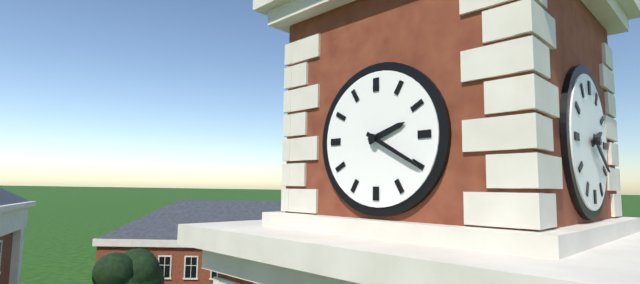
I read 2.20
